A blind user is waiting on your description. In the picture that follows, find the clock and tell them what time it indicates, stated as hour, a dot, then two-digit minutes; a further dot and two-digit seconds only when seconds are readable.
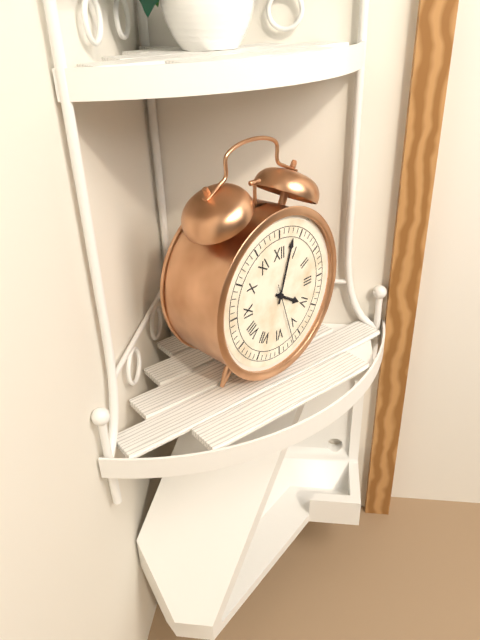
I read 4.03.27
